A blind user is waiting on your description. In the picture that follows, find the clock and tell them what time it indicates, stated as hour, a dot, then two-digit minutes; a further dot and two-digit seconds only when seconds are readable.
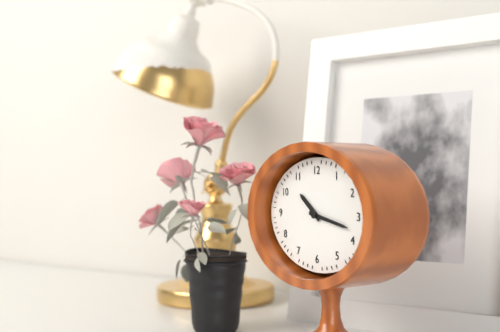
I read 10.17
